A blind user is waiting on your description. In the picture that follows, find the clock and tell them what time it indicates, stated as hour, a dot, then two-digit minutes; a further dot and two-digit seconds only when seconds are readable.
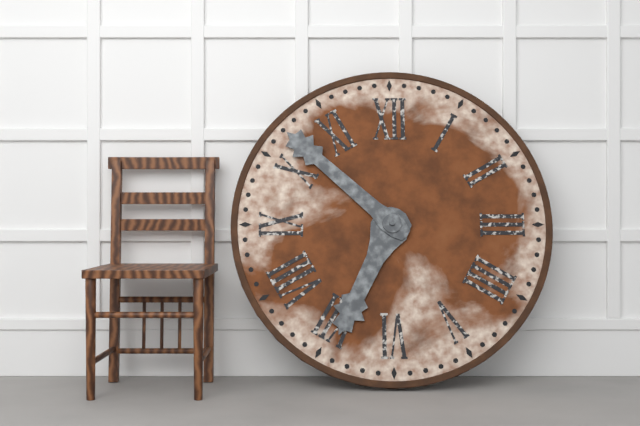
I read 6.52
